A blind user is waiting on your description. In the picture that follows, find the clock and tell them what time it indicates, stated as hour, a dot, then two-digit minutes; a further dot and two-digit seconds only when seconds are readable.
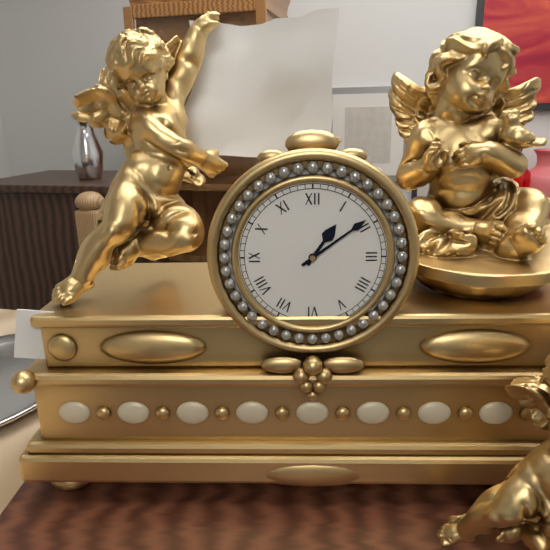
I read 1.09
